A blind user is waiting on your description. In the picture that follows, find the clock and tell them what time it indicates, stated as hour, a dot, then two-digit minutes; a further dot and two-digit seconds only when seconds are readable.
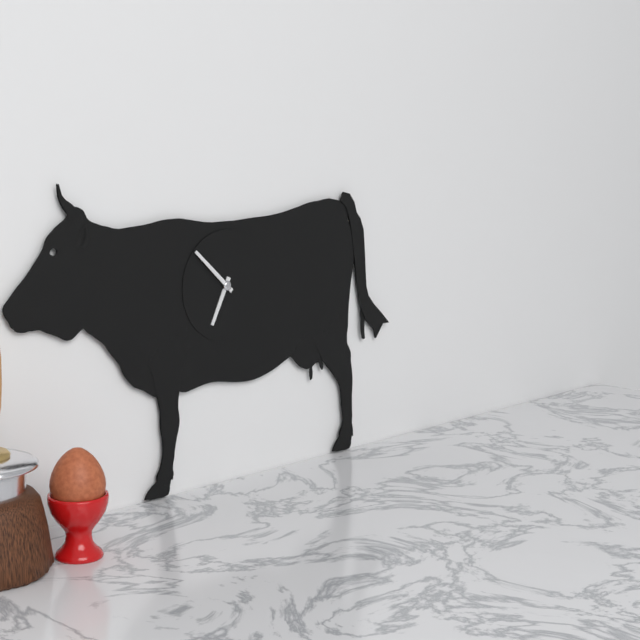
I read 6.52
